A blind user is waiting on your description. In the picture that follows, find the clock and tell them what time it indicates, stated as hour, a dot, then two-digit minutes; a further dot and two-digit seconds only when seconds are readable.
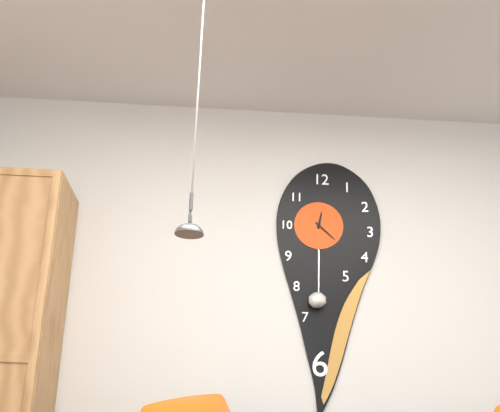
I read 12.22
